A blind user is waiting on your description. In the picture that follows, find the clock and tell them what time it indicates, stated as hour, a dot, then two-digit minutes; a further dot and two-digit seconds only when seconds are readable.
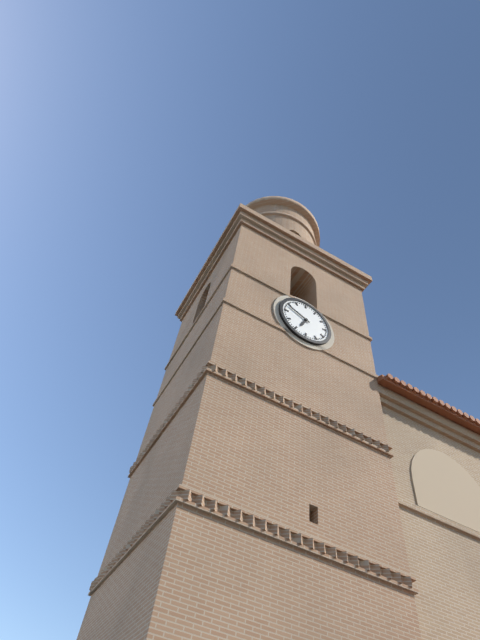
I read 6.49
